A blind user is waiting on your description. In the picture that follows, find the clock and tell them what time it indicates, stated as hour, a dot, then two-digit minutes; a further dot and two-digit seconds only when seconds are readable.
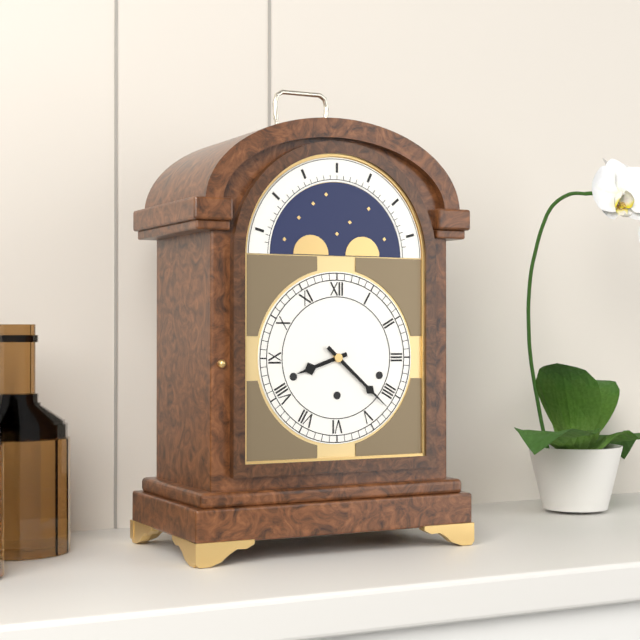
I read 8.22
